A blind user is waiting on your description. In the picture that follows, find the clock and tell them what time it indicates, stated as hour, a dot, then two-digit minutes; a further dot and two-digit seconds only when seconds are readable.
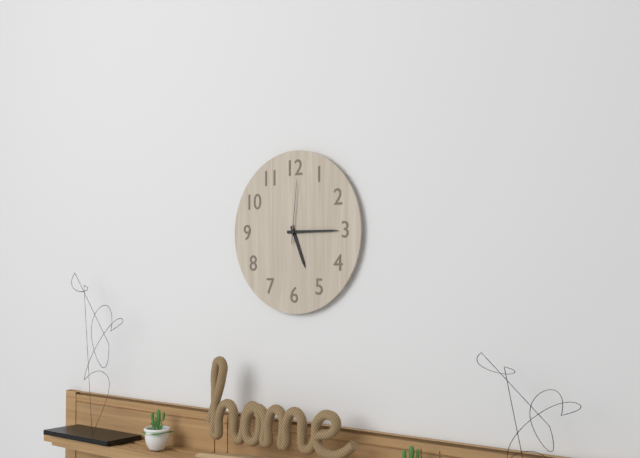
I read 5.15.01
